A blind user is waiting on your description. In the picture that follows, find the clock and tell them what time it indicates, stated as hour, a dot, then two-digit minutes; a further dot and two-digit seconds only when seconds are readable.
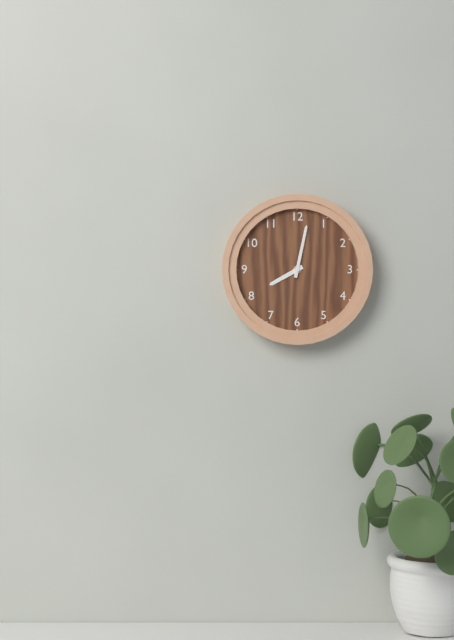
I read 8.02
